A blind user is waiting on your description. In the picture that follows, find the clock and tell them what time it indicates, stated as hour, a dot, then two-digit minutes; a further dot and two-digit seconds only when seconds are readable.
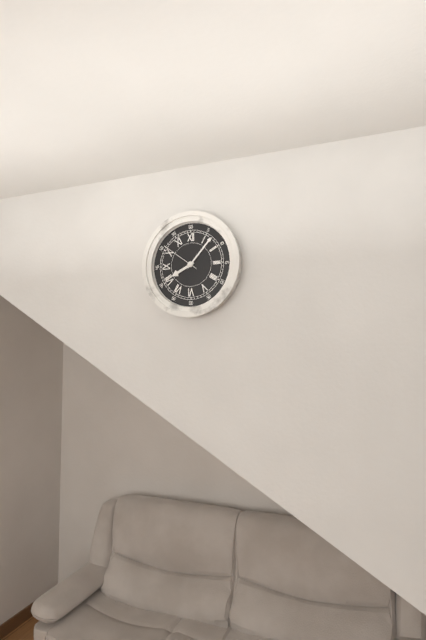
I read 8.07
